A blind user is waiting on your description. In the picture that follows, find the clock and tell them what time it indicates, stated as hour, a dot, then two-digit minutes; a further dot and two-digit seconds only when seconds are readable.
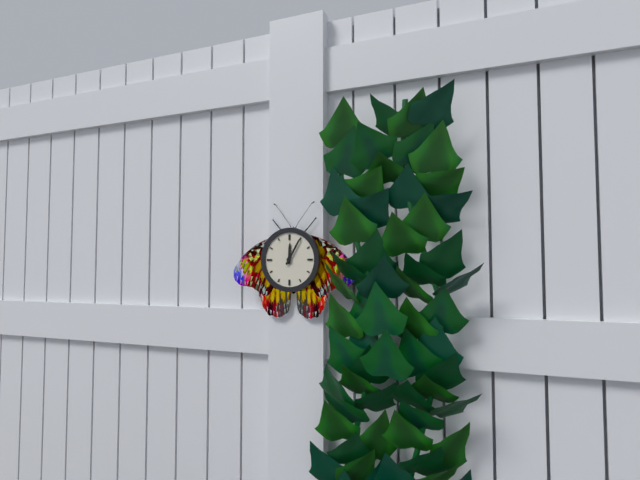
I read 12.05
